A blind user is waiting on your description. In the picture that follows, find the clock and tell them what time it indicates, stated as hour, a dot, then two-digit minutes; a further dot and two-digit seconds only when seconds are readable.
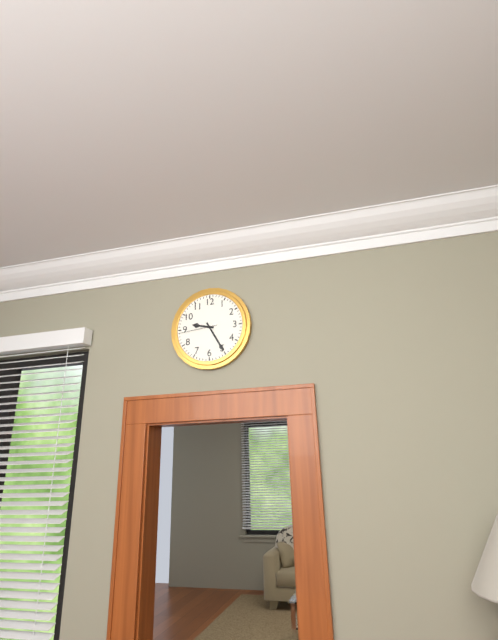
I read 9.25
